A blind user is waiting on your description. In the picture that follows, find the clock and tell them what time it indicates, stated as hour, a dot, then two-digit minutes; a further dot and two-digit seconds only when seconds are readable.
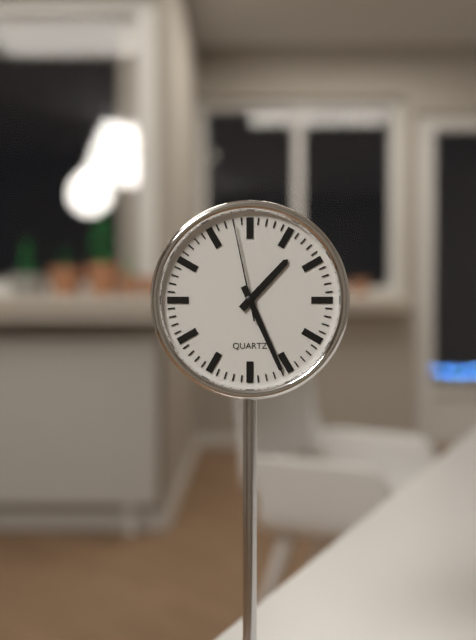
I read 1.26.58
